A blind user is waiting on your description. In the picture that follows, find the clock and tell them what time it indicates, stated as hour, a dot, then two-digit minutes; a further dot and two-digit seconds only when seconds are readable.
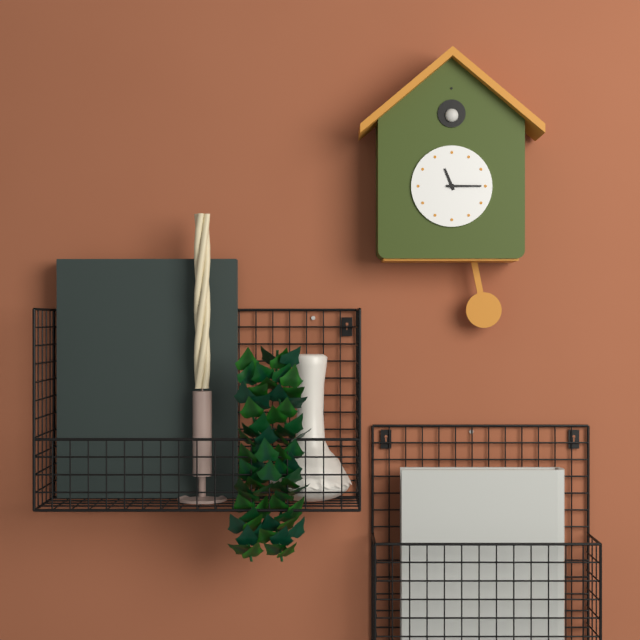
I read 11.15
